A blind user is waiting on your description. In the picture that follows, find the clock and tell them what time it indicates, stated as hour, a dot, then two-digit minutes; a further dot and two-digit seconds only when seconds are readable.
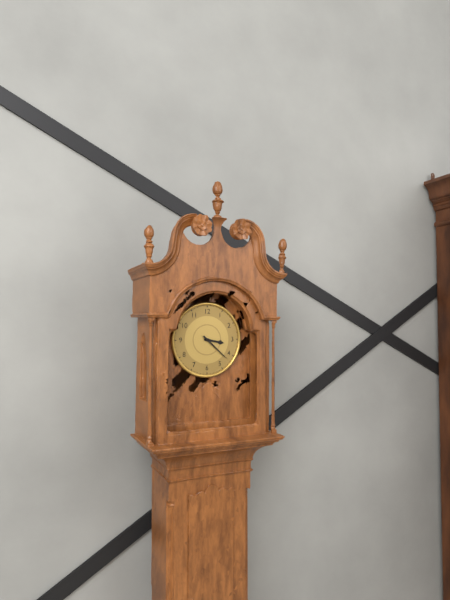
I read 3.22
